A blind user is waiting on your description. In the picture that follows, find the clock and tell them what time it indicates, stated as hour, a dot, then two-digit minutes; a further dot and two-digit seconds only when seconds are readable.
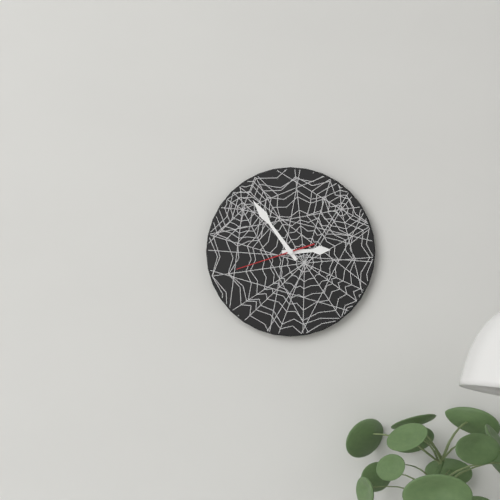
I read 2.54.42
